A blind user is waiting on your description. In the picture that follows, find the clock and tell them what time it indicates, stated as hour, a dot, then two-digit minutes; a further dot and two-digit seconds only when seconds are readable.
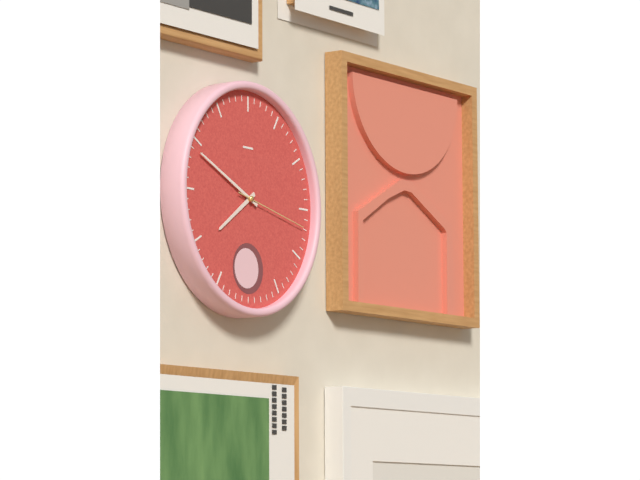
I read 7.49.17
